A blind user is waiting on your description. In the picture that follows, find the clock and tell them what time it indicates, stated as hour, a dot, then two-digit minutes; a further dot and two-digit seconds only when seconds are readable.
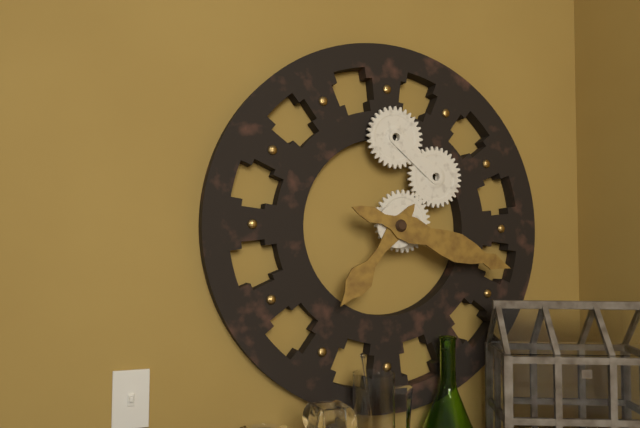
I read 7.18
